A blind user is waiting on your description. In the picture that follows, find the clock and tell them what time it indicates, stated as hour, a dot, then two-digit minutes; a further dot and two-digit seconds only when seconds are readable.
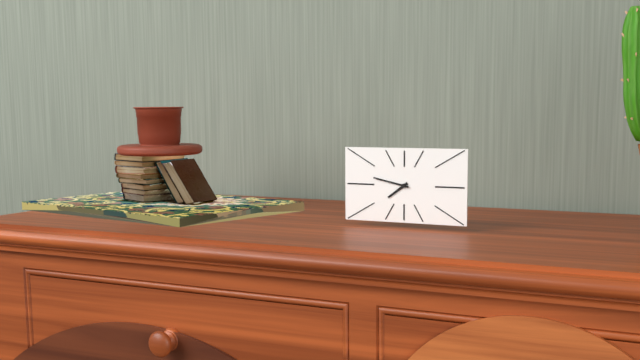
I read 7.47
